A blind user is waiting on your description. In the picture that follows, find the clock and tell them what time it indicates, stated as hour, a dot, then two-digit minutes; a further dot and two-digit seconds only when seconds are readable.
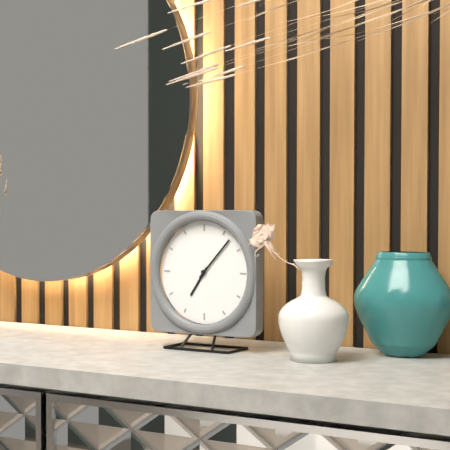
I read 7.07
